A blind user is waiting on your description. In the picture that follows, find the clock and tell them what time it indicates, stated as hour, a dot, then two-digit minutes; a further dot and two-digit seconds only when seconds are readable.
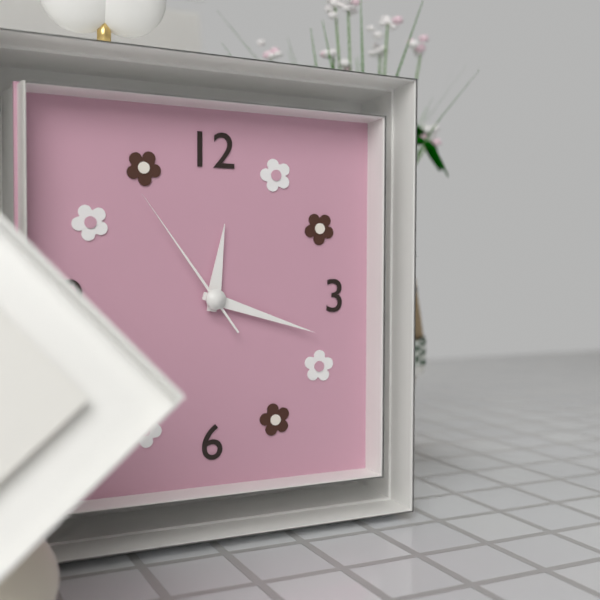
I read 12.18.54
